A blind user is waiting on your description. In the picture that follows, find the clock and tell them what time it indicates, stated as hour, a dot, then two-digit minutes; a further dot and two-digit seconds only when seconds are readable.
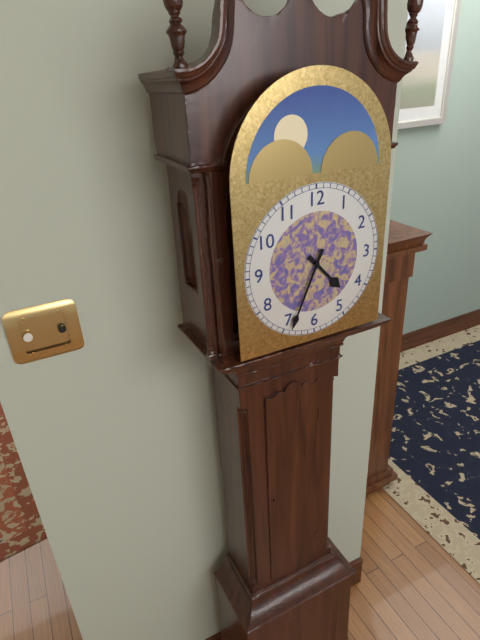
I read 4.34
